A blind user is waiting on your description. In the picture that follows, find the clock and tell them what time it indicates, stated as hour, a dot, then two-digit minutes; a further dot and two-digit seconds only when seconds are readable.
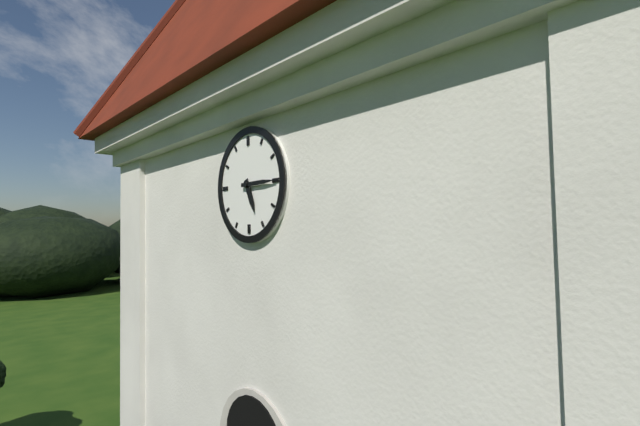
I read 5.15
